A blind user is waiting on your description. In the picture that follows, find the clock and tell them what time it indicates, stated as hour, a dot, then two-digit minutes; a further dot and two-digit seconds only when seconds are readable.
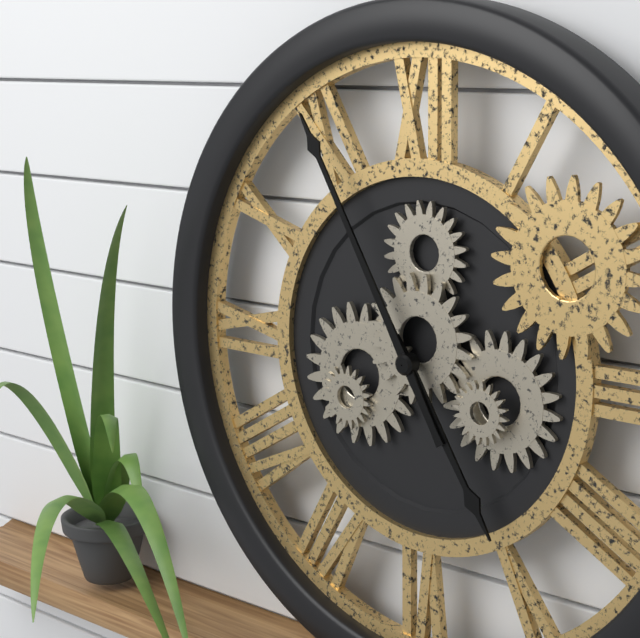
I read 4.55
